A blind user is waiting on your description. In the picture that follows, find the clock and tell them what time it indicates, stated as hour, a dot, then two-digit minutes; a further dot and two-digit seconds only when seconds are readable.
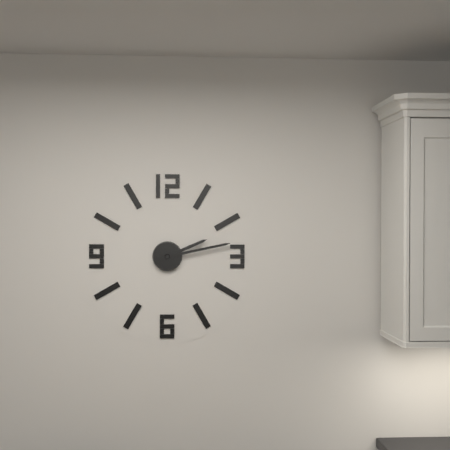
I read 2.13
